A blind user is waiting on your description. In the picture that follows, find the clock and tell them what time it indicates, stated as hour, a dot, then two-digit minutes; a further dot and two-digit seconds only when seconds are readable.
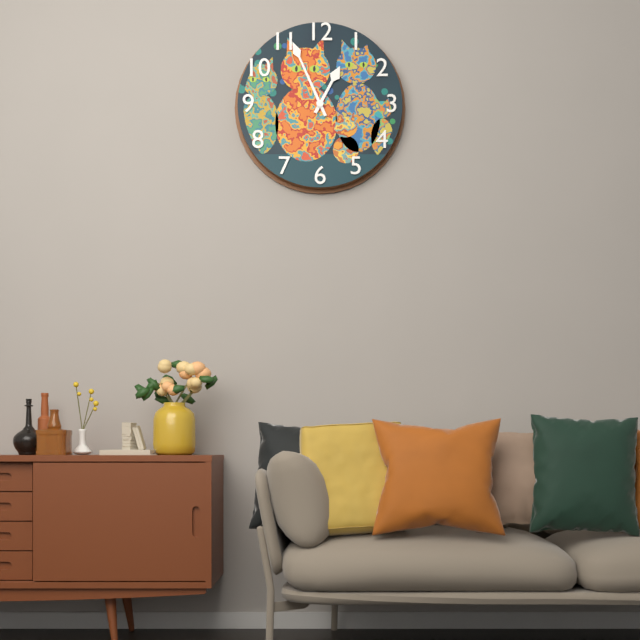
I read 12.56
